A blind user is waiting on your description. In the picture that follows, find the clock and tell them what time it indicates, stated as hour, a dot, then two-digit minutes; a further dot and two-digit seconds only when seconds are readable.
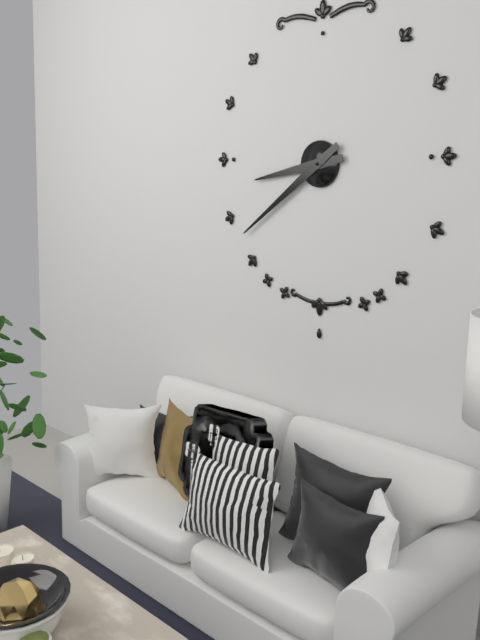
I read 8.39
